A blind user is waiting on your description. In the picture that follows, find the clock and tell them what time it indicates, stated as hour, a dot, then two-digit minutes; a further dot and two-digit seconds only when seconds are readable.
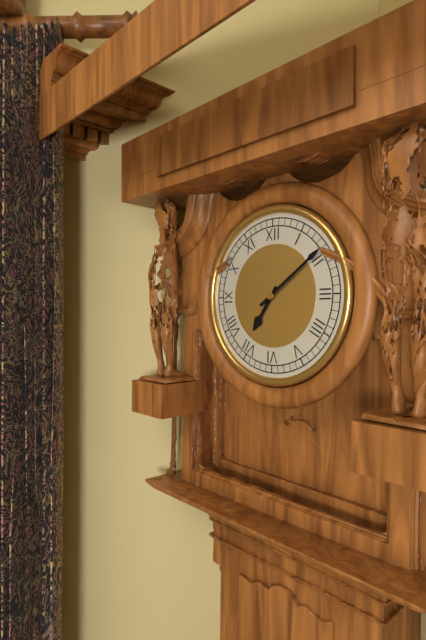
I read 7.09
